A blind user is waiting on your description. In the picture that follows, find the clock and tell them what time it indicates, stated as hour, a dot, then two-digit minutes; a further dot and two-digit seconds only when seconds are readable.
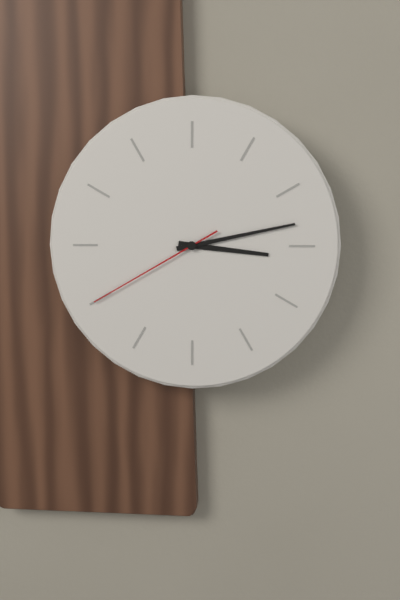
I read 3.13.40
